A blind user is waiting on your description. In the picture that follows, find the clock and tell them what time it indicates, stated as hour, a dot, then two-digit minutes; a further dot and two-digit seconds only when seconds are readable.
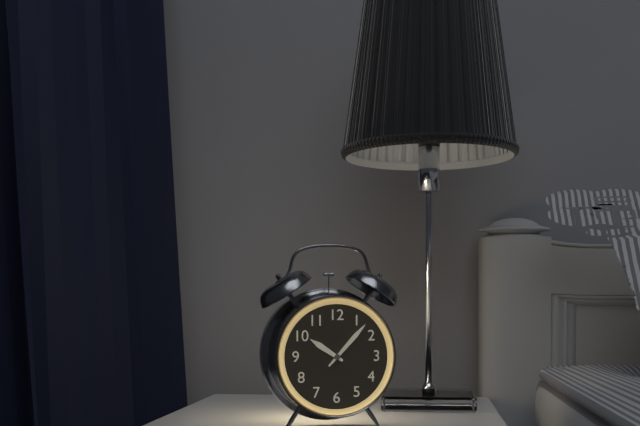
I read 10.07
